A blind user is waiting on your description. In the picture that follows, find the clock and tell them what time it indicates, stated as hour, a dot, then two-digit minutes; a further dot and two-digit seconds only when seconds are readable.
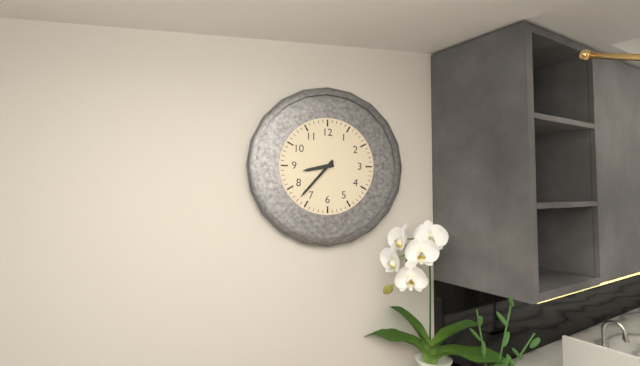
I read 8.37
